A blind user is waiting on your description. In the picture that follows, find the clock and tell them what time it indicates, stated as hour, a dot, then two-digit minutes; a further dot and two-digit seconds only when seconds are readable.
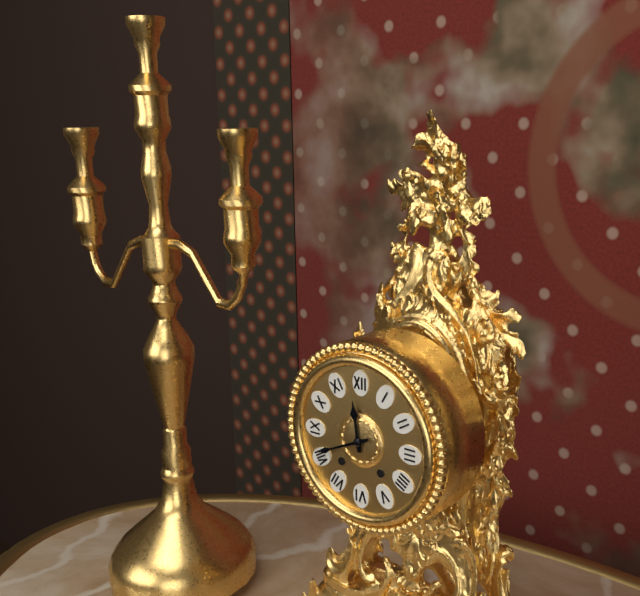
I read 11.41
